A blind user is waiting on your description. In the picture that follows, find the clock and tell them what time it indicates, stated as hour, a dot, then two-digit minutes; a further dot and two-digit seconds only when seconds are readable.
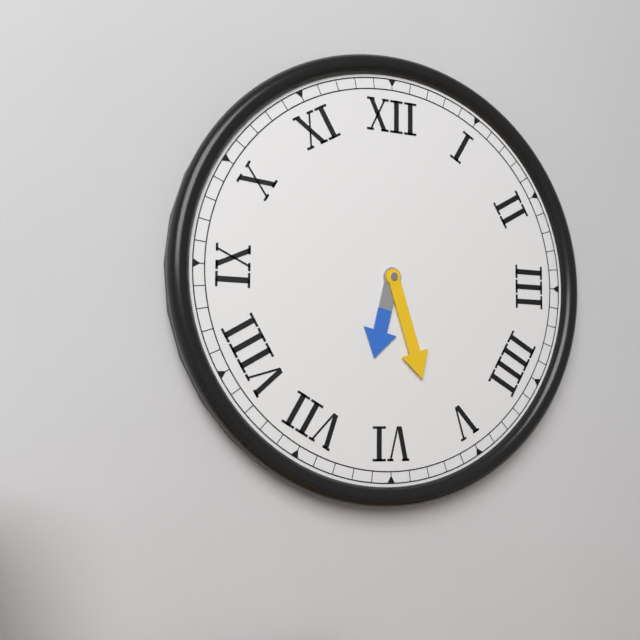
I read 6.27
